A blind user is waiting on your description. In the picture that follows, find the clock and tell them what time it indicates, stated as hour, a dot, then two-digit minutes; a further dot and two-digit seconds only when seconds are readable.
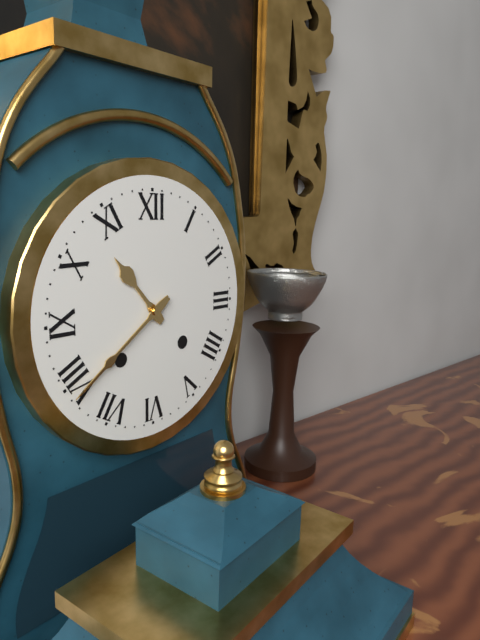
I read 10.39
